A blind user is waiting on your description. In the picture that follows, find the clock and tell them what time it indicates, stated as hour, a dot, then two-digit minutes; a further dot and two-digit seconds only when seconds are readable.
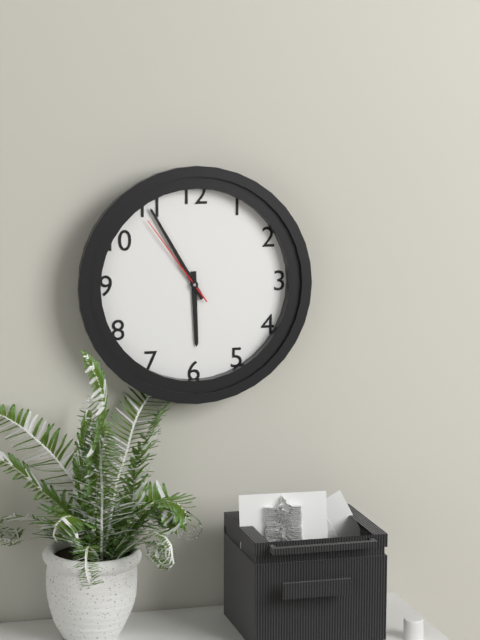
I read 5.55.54
